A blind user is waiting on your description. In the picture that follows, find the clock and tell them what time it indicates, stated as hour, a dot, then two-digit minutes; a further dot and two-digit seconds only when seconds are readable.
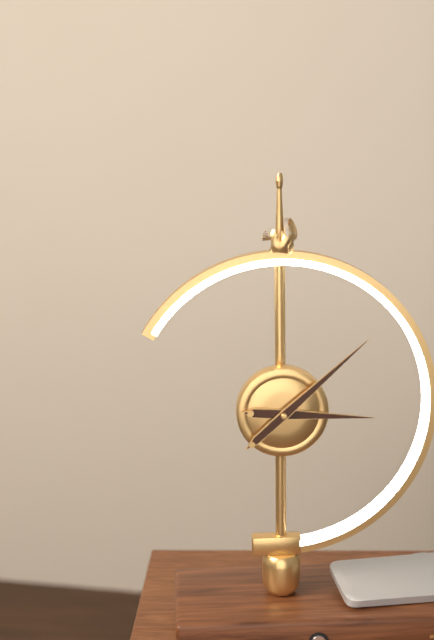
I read 3.08
